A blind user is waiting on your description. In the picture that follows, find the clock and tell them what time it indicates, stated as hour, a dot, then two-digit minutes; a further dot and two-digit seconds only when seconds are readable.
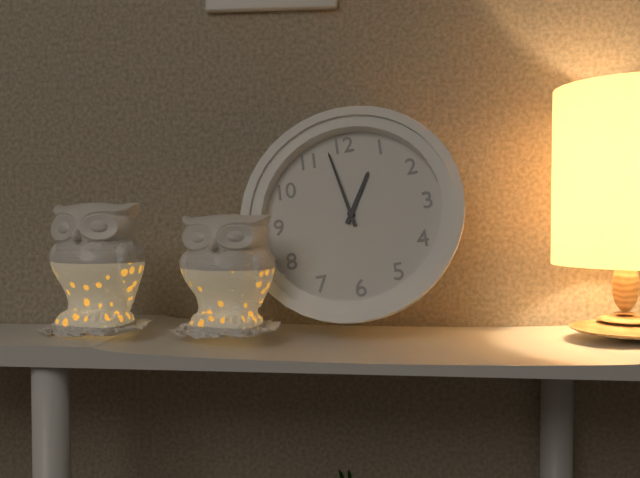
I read 12.58
